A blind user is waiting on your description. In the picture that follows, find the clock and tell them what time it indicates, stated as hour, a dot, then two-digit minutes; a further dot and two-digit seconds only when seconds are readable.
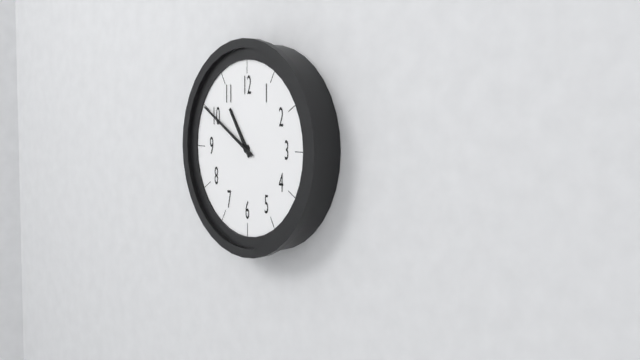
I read 10.50
